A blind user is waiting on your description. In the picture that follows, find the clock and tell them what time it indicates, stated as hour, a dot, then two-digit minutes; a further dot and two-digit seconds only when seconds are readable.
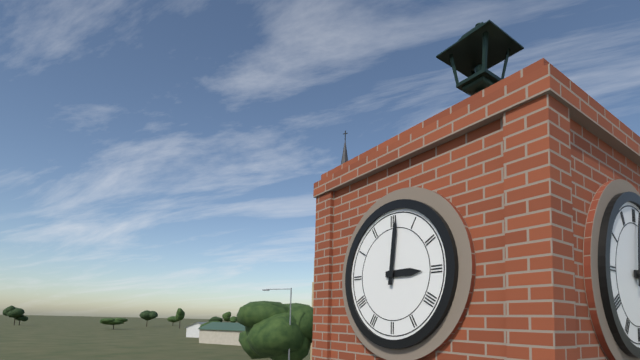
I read 3.01
